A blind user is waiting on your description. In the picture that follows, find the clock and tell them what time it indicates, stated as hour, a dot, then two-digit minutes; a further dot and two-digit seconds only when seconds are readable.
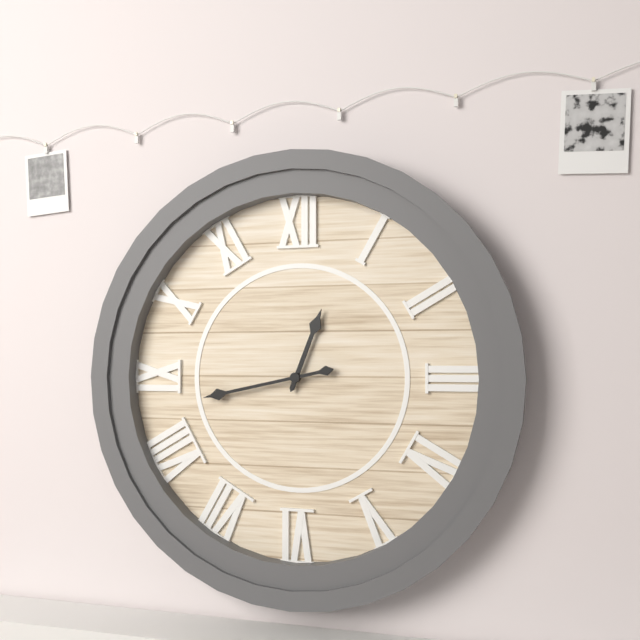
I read 12.43
